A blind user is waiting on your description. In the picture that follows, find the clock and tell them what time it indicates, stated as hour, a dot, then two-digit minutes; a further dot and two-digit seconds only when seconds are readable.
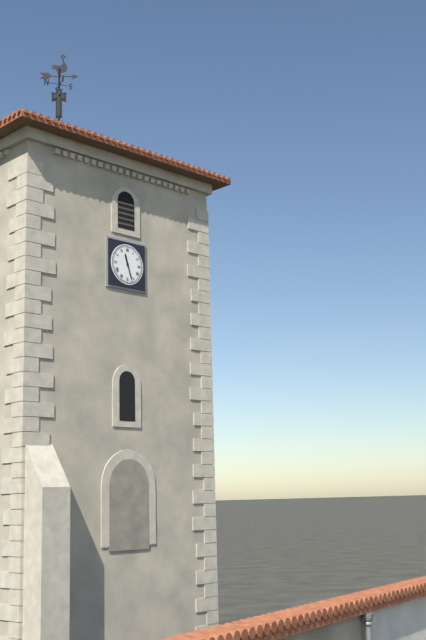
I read 11.27
